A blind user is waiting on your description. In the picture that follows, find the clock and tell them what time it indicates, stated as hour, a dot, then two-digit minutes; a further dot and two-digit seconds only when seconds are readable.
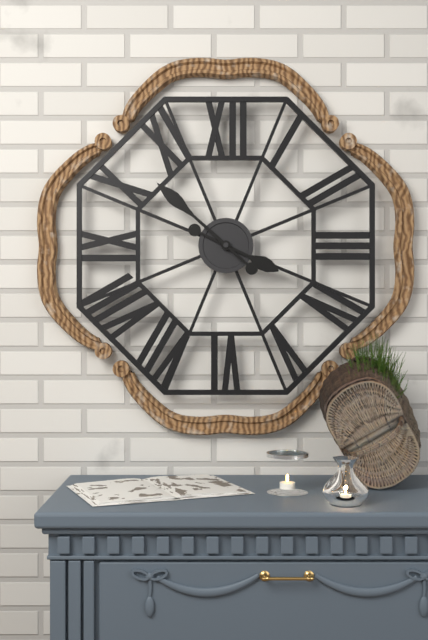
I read 3.52
